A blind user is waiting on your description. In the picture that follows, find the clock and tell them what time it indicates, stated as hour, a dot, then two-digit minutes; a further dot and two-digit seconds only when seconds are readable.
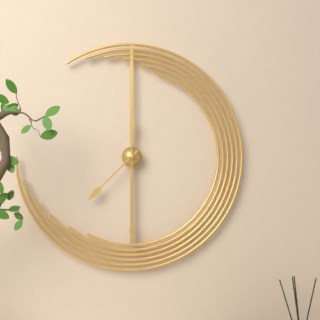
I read 7.30
